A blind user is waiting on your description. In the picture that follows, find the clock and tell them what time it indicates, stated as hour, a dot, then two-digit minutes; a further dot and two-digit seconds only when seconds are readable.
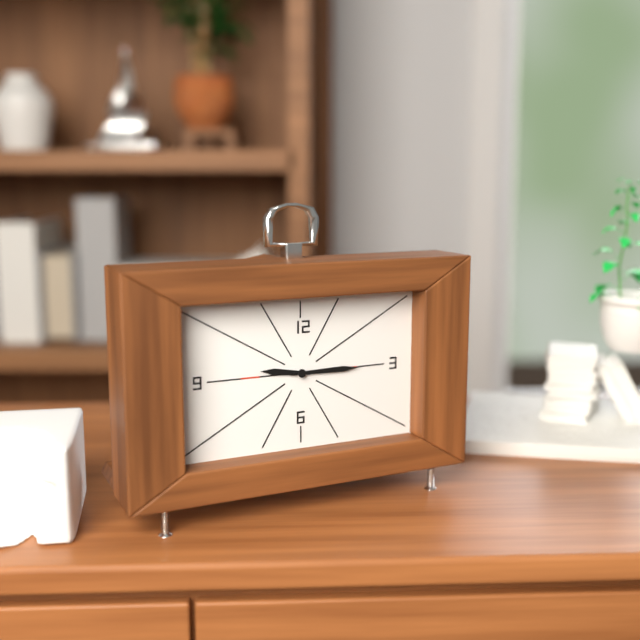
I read 9.15
